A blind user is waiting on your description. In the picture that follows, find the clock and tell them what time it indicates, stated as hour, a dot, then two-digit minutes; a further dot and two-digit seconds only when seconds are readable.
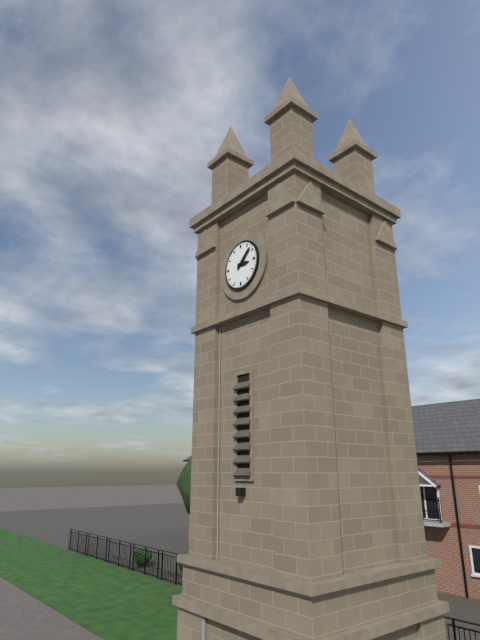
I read 3.08
